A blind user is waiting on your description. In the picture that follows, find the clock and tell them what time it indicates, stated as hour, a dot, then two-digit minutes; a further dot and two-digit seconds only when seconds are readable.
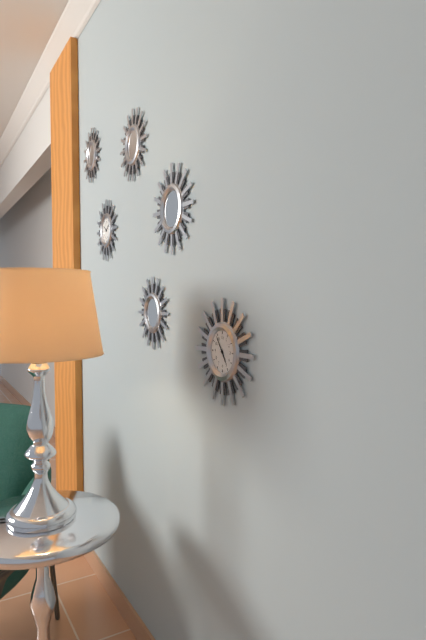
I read 4.54
